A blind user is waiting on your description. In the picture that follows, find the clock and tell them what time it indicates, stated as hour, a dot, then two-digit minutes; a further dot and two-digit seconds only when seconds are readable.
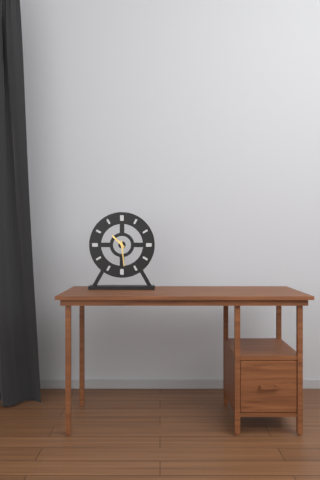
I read 10.29
